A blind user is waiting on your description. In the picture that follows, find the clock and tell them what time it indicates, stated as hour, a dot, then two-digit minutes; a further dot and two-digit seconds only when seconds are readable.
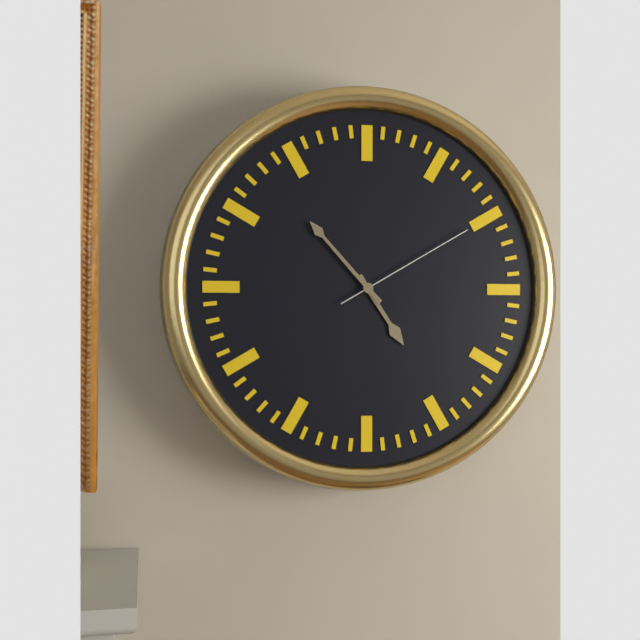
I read 4.53.10
